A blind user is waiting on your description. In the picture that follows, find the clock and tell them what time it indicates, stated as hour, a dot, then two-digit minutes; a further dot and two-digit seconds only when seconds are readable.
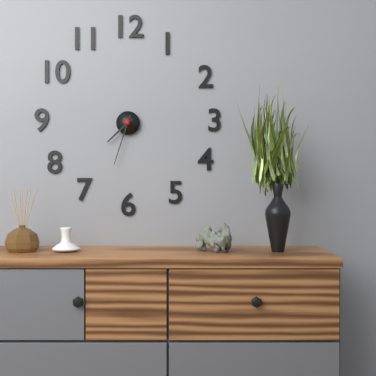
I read 7.33
